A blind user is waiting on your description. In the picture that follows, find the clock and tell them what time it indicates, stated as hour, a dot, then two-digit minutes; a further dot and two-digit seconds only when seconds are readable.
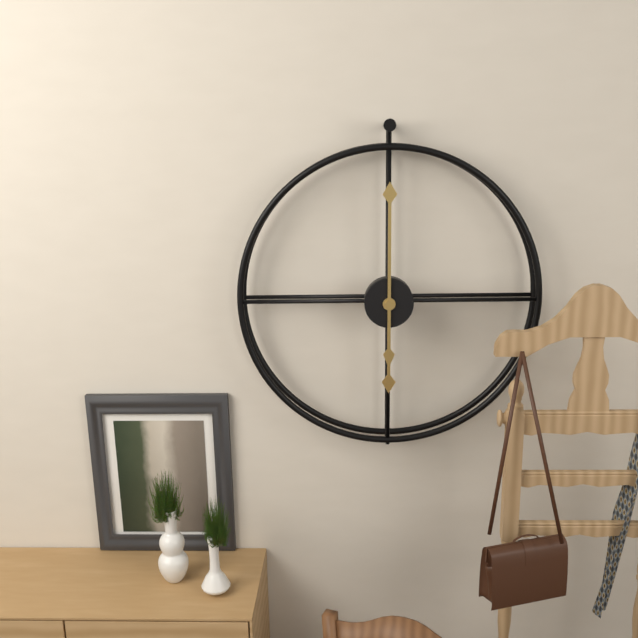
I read 6.00
